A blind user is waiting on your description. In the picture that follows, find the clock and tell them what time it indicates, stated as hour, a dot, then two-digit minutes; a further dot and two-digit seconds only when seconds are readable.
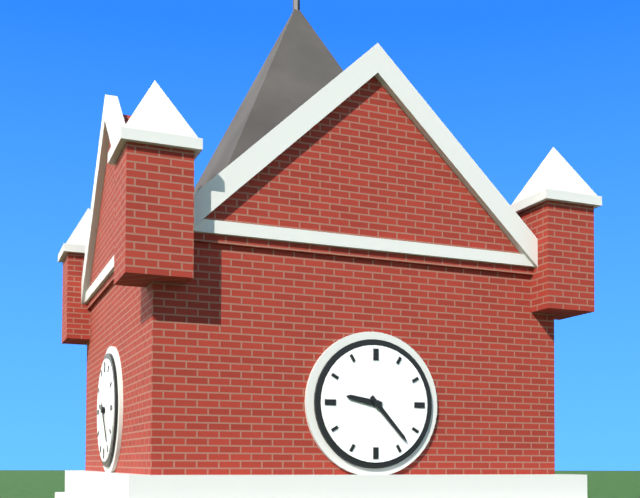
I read 9.23
